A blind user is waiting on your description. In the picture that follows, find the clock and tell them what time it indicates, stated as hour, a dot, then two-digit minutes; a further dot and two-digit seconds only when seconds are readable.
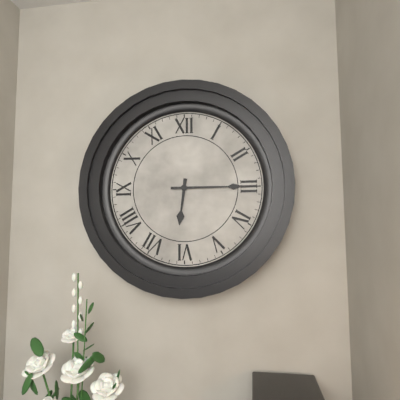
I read 6.15
